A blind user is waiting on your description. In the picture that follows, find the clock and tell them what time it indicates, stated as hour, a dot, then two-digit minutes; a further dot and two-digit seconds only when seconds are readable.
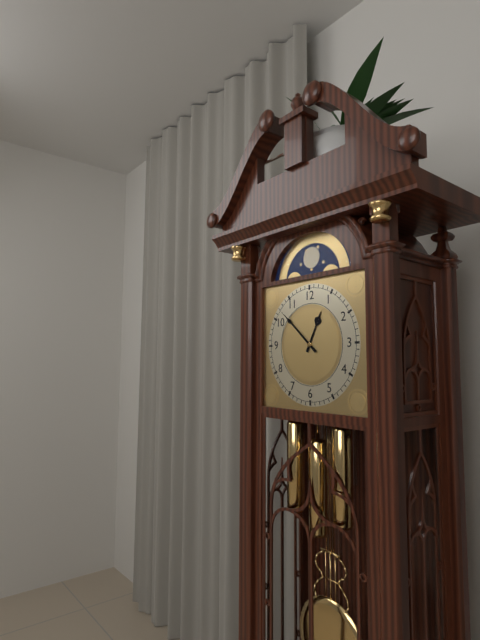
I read 12.52
